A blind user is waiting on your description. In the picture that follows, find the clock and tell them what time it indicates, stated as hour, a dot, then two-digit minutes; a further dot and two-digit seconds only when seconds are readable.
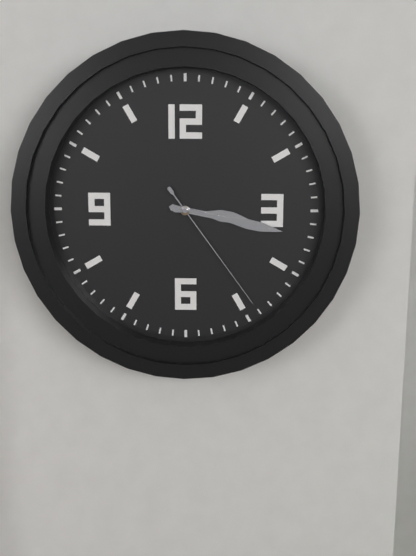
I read 3.17.24
